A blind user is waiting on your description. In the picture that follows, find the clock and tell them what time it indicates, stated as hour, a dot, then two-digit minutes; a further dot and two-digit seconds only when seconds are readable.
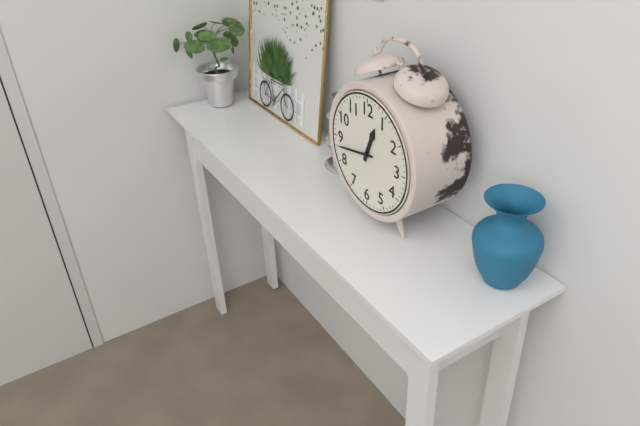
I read 12.43
